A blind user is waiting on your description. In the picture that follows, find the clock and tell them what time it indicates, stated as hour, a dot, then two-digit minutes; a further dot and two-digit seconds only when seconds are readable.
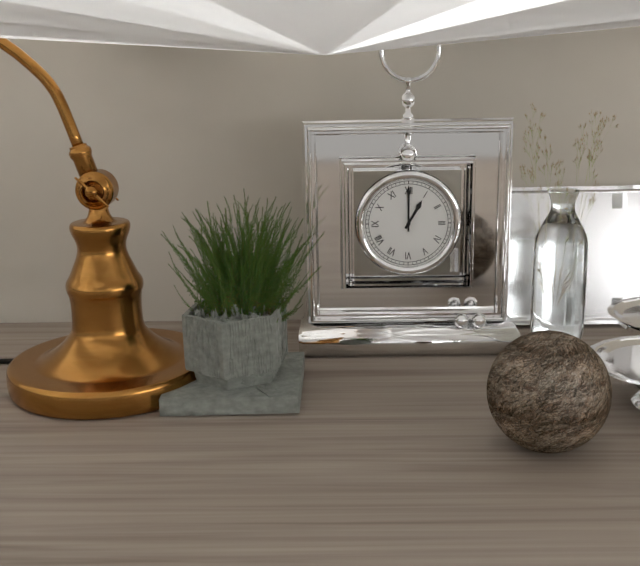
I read 1.00
